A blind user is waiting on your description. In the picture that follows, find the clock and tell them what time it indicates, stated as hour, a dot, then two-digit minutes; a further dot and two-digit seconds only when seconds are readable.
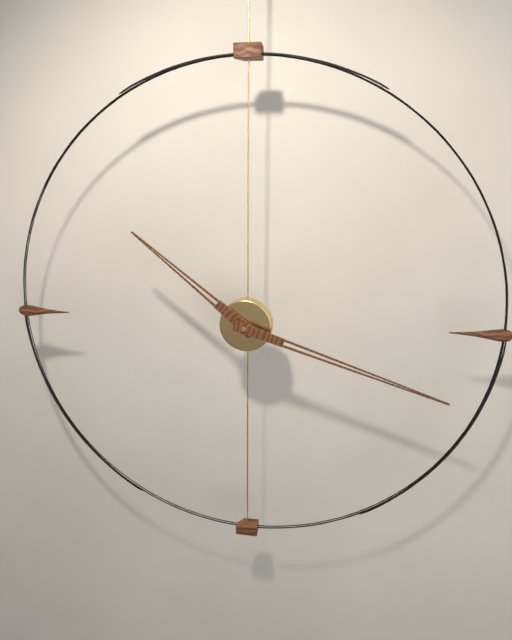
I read 10.18
